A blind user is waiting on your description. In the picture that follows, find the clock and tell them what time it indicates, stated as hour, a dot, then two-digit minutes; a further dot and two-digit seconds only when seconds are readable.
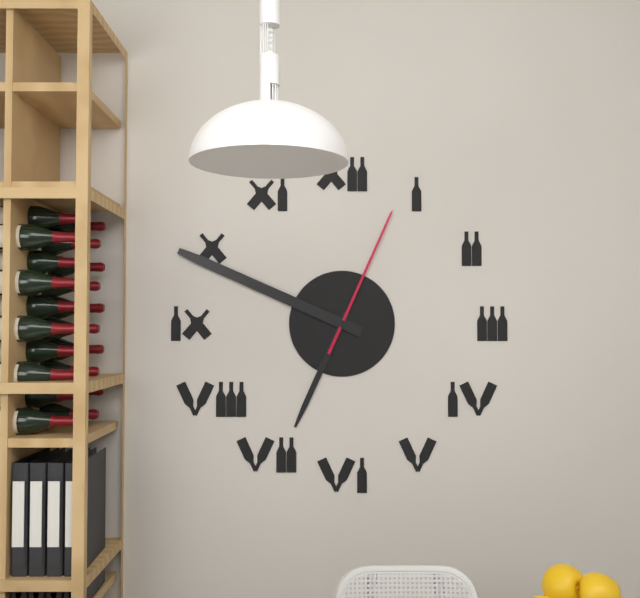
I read 6.49.04
